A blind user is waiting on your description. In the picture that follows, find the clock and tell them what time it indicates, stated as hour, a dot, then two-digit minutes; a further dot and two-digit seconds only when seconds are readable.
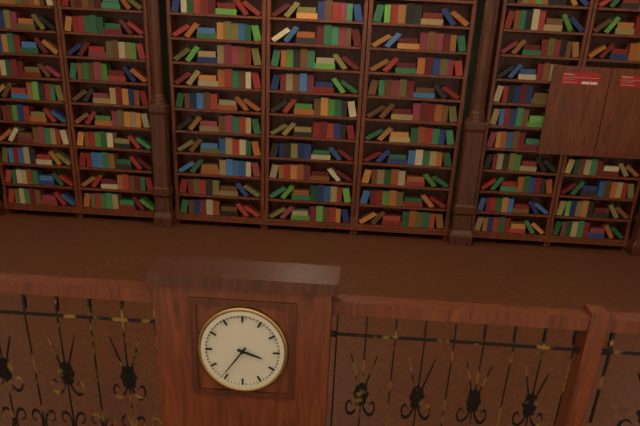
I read 3.36
